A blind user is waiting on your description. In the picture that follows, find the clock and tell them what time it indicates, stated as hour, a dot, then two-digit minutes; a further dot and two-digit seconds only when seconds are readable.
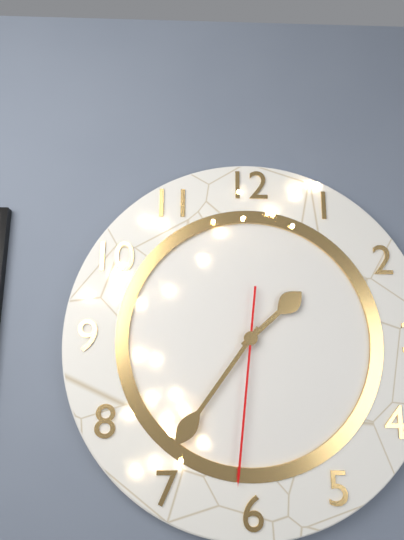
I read 1.36.31
